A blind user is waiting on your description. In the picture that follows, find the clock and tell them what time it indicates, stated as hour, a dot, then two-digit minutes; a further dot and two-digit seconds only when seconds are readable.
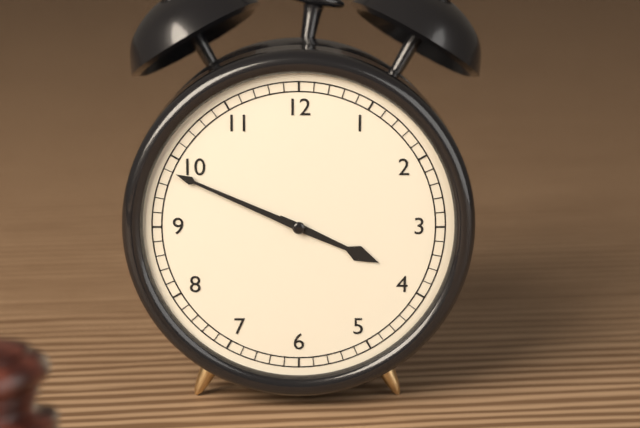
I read 3.49
